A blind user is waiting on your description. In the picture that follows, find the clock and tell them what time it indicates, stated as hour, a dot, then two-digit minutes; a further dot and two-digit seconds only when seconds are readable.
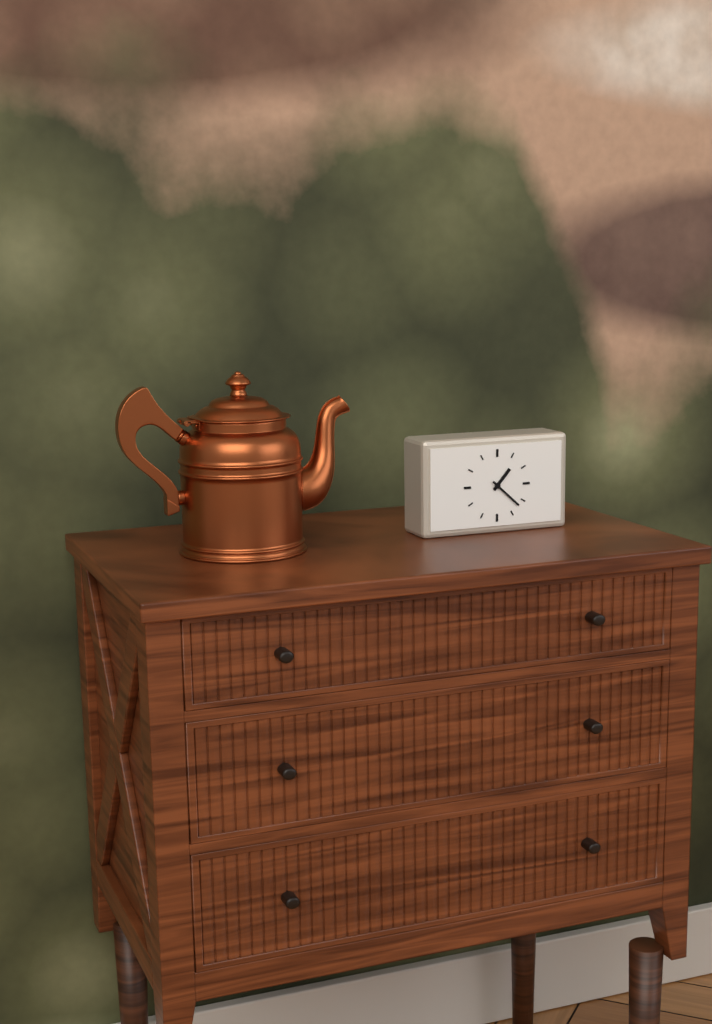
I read 1.22
